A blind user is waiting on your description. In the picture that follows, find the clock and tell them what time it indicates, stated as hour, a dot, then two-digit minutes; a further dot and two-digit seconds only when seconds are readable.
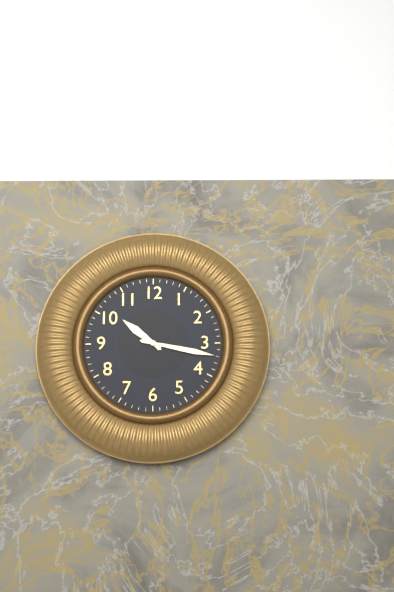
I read 10.17
